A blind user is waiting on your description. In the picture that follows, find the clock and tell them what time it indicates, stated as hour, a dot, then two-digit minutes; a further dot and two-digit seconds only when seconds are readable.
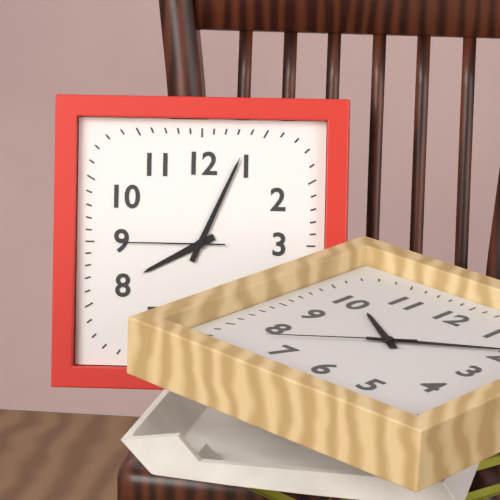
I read 8.04.45
